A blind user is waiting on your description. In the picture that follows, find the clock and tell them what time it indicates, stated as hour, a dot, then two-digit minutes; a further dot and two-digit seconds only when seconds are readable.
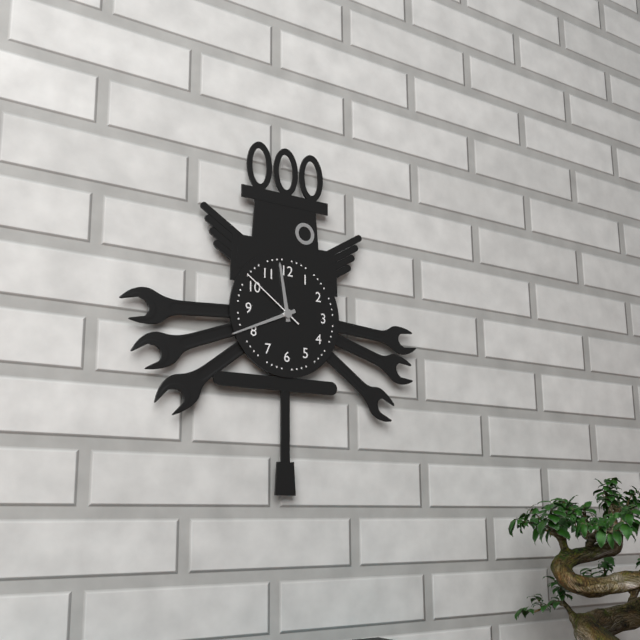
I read 11.41.51
